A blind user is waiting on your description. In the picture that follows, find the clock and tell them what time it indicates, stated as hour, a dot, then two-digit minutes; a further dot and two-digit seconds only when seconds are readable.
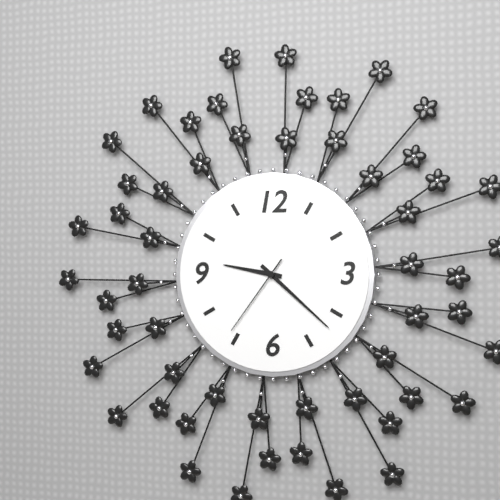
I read 9.22.36
